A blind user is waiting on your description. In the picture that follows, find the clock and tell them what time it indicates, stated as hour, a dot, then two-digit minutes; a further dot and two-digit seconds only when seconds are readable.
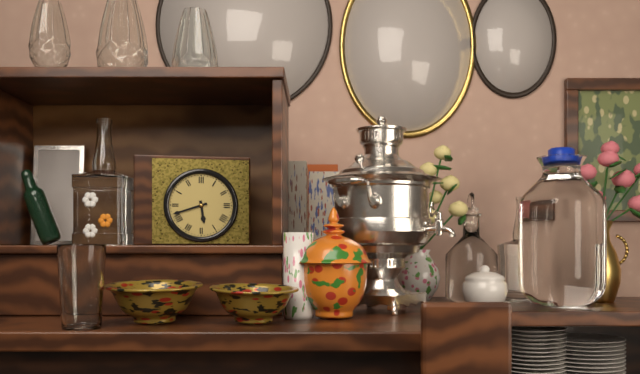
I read 5.42
